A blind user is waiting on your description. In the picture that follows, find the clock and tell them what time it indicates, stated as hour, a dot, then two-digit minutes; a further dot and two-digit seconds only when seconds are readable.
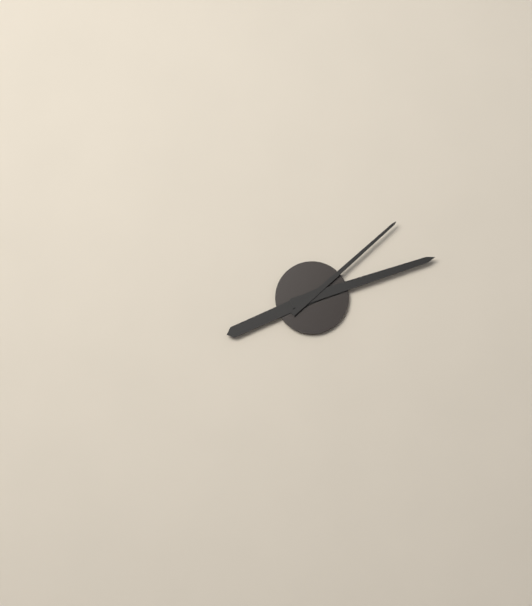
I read 8.12.08
